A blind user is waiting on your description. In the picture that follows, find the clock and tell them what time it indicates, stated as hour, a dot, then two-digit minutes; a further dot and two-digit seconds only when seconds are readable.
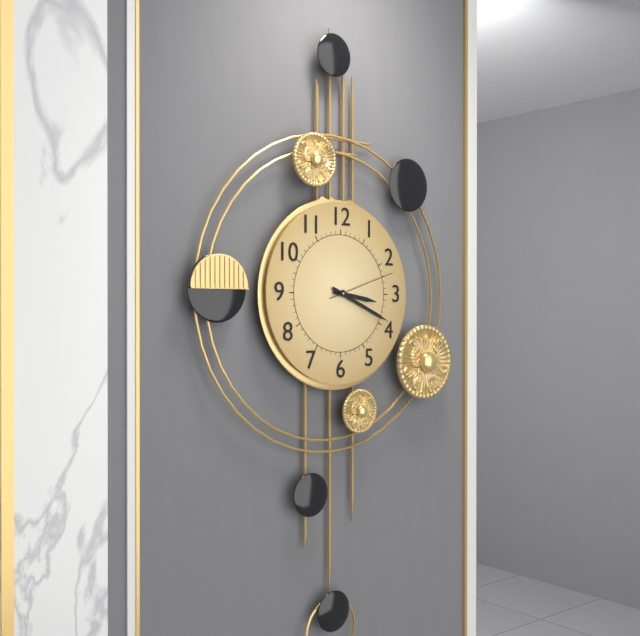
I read 3.19.12
